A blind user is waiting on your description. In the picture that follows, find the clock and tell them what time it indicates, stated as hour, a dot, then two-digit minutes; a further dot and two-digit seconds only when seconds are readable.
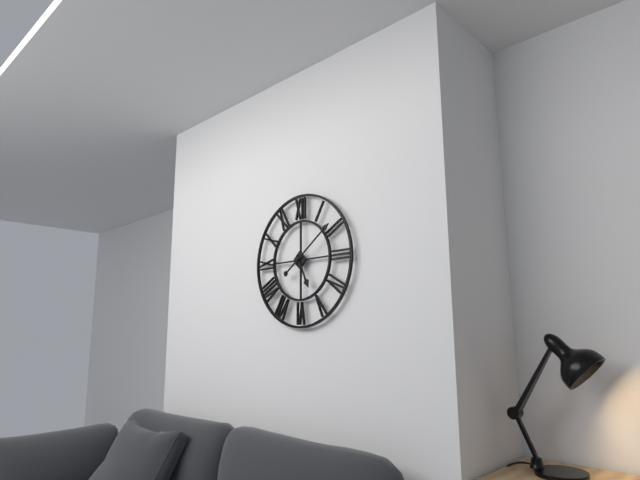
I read 5.09
